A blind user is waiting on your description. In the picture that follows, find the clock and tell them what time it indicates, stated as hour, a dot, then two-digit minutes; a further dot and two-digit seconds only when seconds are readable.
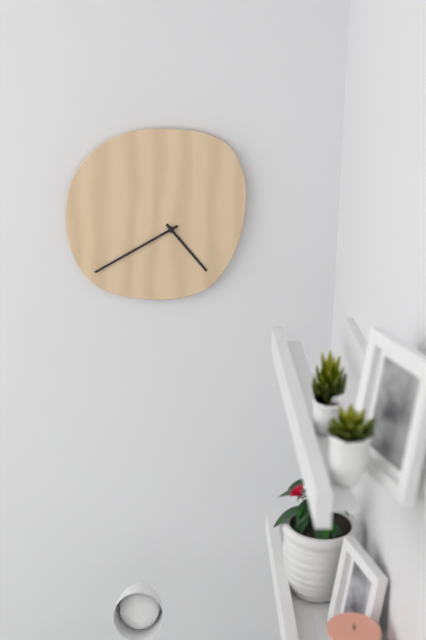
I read 4.40
